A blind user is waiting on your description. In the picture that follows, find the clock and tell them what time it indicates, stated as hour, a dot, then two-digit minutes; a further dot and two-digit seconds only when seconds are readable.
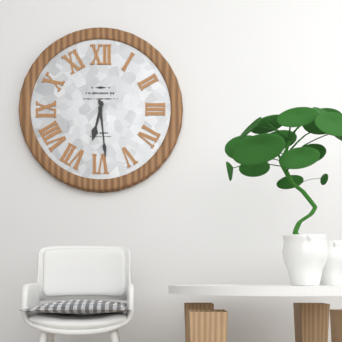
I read 6.29
